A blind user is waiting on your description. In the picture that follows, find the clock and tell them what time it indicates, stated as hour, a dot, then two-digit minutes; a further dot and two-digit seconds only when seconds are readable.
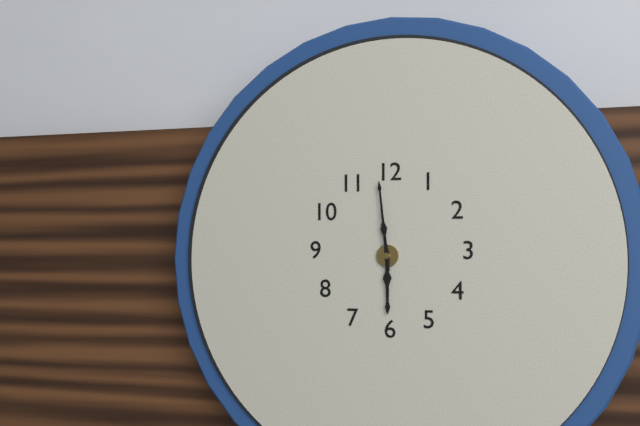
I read 5.59
